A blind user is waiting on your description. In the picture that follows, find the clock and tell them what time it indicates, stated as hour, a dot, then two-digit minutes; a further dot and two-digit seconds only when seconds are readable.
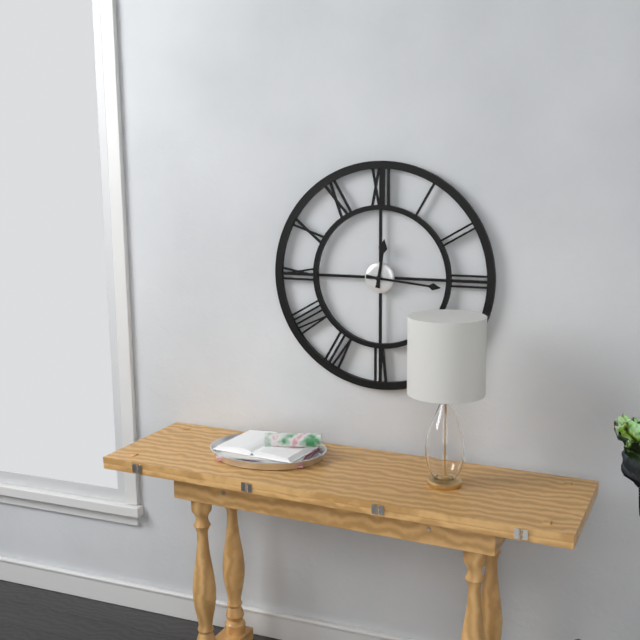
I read 12.16
